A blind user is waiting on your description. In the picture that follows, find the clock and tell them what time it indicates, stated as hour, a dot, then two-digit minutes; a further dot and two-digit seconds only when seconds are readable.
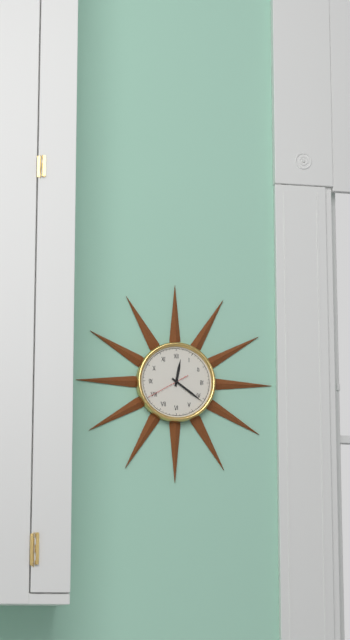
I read 12.21
